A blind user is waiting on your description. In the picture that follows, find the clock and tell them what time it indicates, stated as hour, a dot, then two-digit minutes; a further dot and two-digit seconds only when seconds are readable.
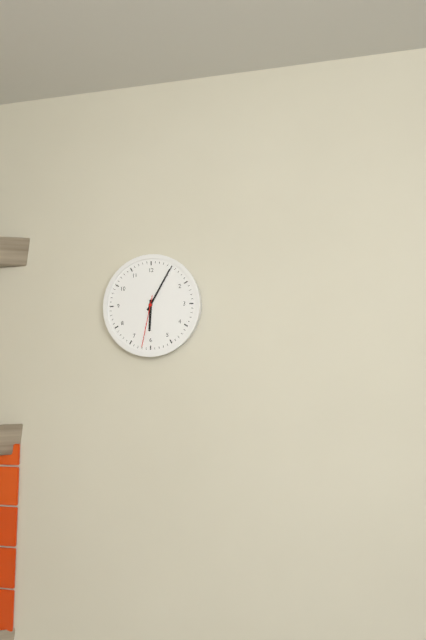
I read 6.05.32
